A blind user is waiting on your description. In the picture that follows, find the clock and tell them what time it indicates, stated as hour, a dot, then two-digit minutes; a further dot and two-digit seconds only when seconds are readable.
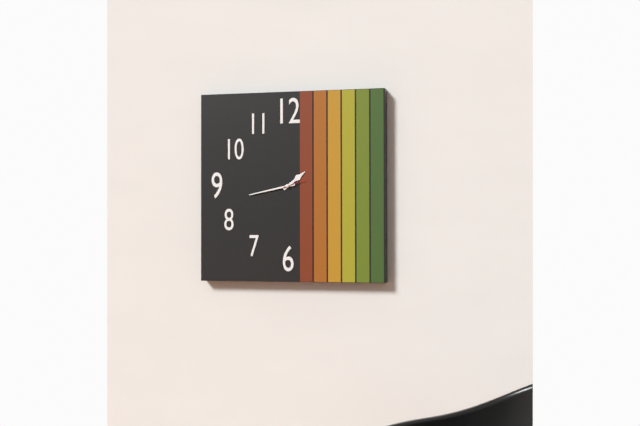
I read 1.43
